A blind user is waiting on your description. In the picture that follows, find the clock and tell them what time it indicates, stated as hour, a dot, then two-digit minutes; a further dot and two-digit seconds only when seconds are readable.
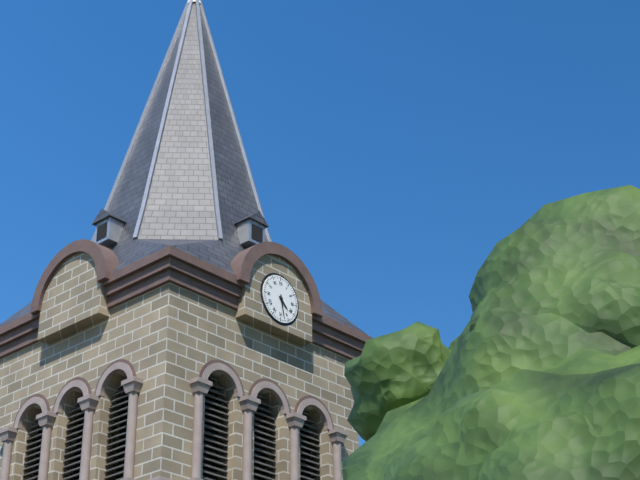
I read 4.28
